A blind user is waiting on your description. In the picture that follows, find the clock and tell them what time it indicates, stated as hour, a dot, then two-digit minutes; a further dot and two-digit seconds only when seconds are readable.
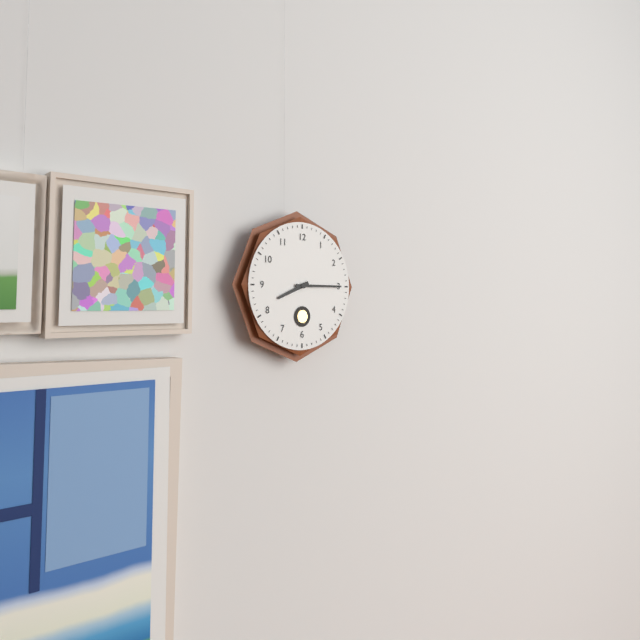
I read 8.15
